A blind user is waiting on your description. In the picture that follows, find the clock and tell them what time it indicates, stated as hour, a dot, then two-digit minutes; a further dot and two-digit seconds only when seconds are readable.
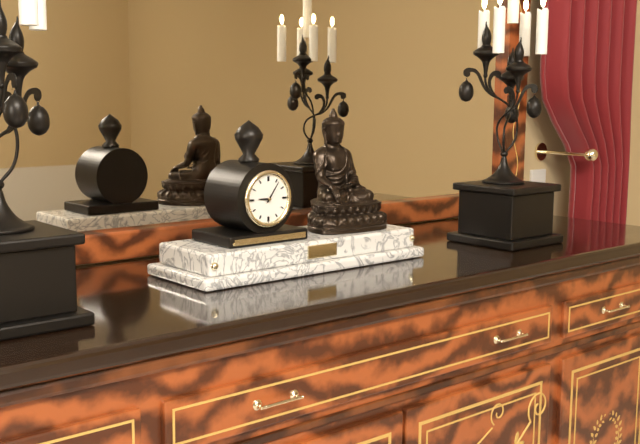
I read 9.06
